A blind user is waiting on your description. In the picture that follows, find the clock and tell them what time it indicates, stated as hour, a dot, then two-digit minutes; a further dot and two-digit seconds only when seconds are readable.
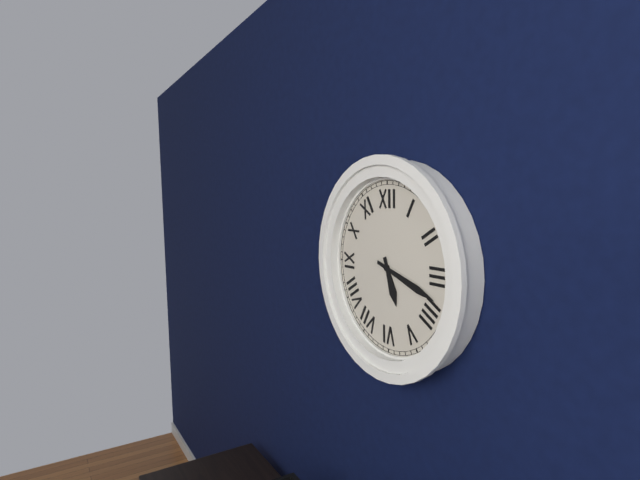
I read 5.18
